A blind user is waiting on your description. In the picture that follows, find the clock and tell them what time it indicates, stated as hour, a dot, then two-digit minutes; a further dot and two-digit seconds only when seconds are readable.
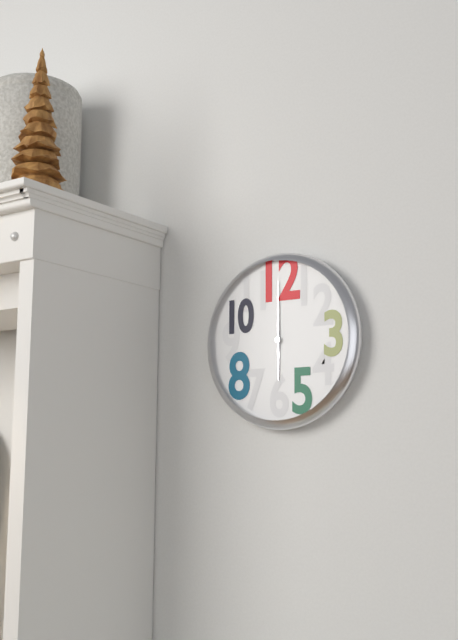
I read 6.00
